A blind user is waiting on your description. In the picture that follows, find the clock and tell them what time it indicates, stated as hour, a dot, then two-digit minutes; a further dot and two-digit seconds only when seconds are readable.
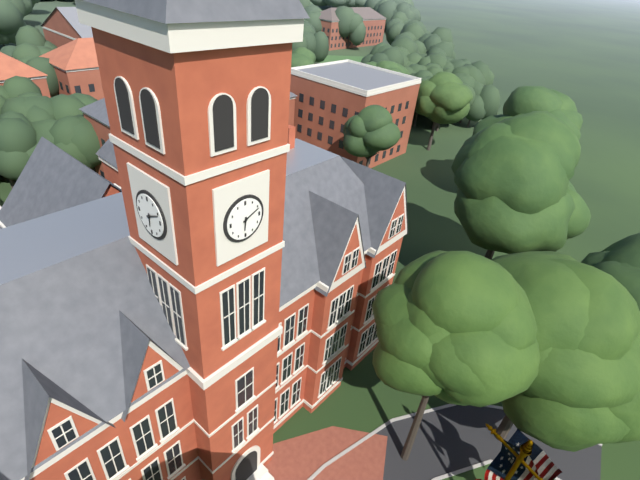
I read 6.11
